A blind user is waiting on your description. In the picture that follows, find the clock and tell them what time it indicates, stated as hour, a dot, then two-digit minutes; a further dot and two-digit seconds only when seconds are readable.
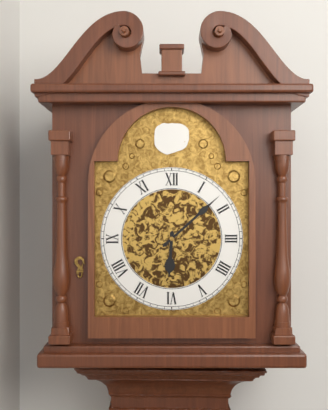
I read 6.08
